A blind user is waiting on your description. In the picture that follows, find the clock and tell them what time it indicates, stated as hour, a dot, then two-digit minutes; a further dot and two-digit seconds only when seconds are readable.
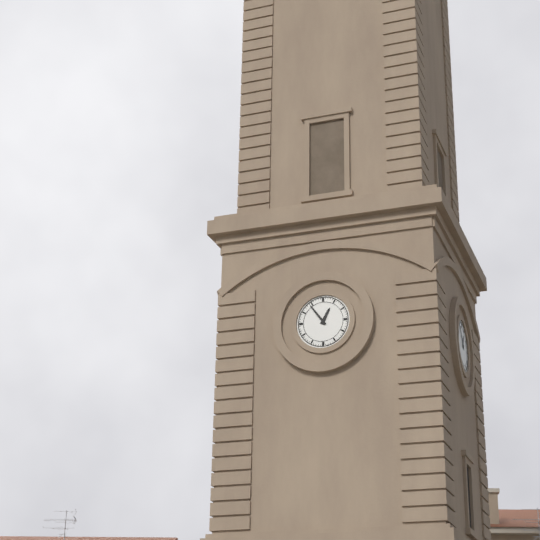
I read 12.54
